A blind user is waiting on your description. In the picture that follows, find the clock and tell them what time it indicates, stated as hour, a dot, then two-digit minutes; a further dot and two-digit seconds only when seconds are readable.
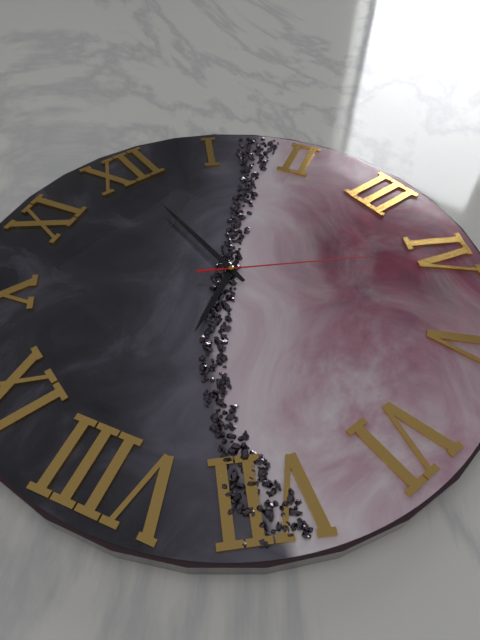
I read 8.00.20
